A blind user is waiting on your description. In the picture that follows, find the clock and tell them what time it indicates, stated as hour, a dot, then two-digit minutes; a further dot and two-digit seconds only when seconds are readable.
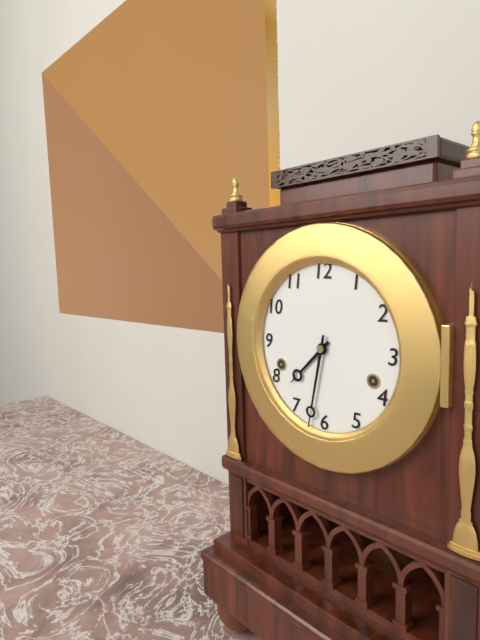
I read 7.32
